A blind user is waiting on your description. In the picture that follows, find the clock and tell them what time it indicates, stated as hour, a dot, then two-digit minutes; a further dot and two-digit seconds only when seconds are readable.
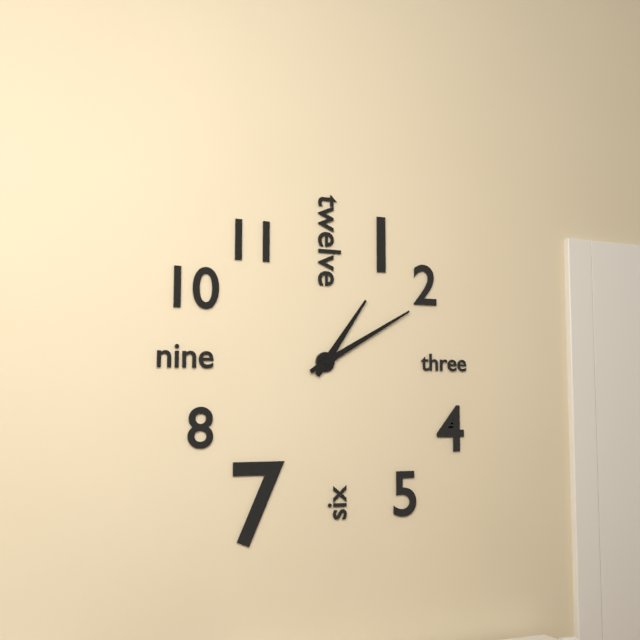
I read 1.10
